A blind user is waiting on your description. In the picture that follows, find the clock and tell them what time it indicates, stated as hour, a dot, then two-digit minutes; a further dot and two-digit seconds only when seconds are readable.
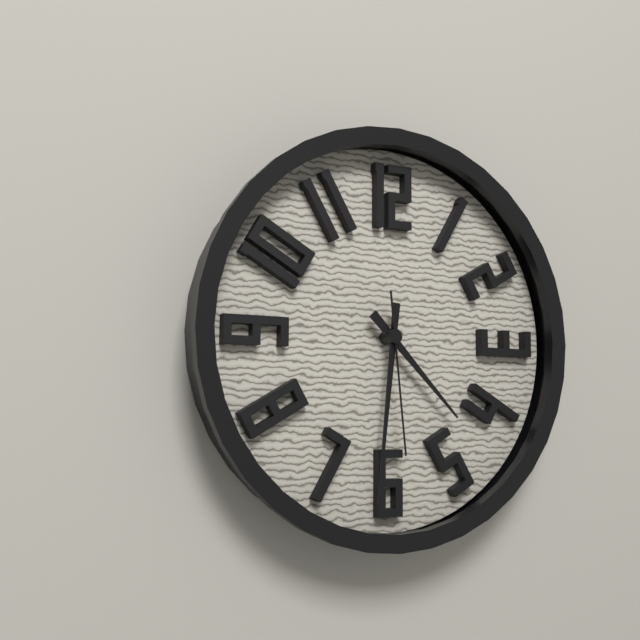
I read 4.31.29
